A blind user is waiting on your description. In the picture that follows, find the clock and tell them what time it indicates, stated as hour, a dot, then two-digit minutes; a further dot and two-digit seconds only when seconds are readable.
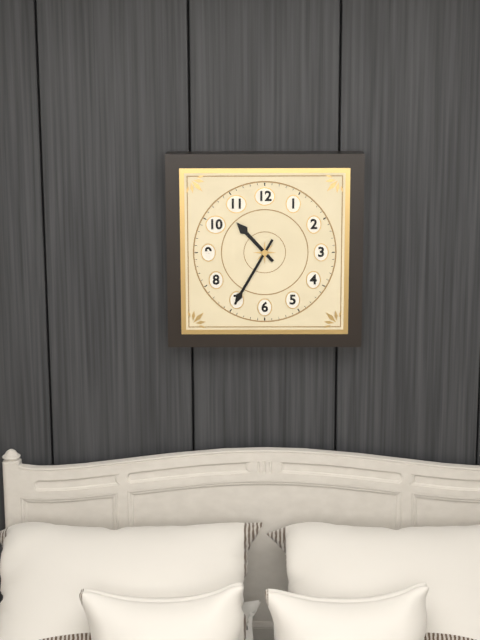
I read 10.35
